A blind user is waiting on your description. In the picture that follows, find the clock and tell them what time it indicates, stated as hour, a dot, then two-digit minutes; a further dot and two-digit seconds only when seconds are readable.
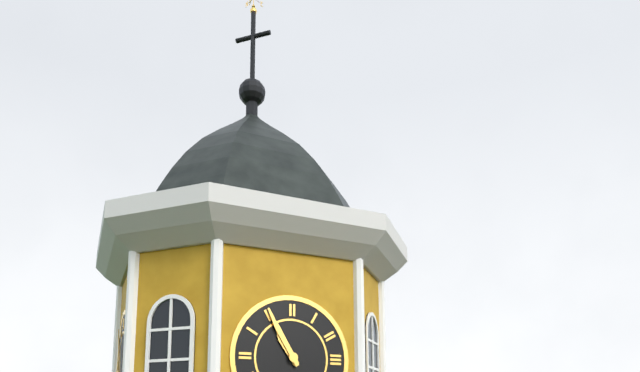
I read 10.55
